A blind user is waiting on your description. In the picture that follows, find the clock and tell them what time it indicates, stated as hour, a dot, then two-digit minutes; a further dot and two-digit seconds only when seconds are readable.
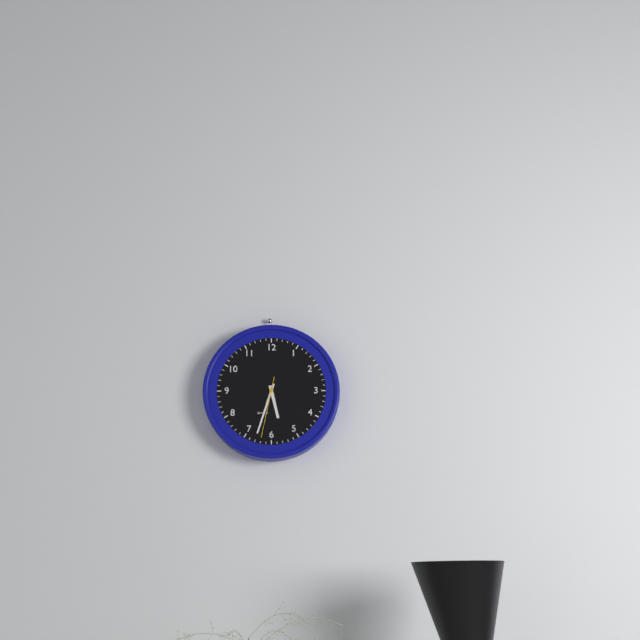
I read 5.33.32
